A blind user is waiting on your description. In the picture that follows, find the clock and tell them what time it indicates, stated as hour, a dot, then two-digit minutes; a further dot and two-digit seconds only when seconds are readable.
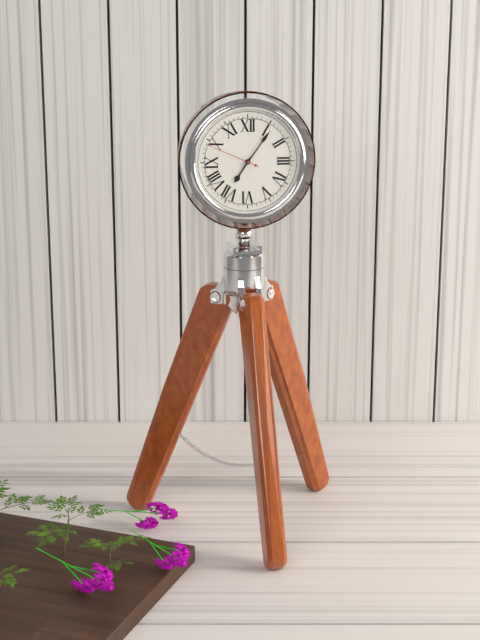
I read 7.06
